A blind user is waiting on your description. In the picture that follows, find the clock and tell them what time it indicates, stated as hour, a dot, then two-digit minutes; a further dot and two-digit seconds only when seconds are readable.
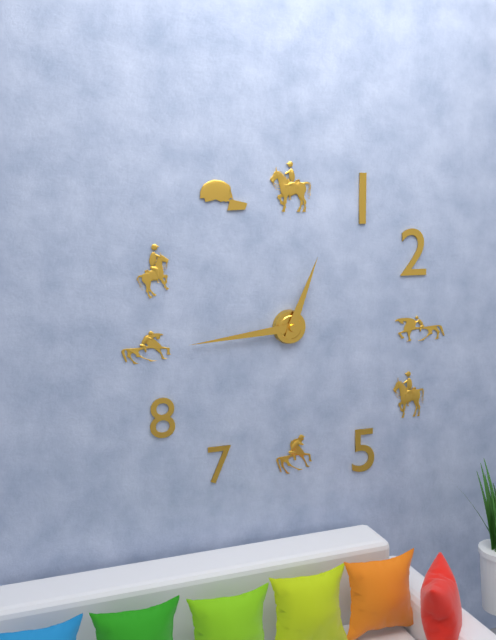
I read 12.44
